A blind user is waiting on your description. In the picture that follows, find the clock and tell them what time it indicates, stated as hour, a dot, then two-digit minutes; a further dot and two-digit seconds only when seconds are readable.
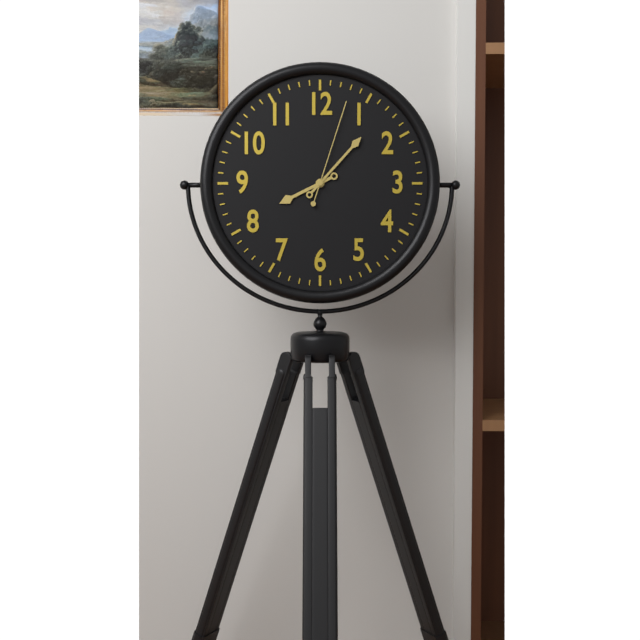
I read 8.07.03
